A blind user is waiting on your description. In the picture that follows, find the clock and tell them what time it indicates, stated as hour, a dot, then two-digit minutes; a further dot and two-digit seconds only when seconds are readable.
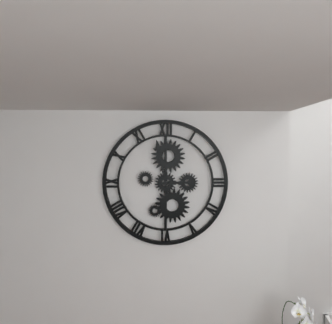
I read 2.58
